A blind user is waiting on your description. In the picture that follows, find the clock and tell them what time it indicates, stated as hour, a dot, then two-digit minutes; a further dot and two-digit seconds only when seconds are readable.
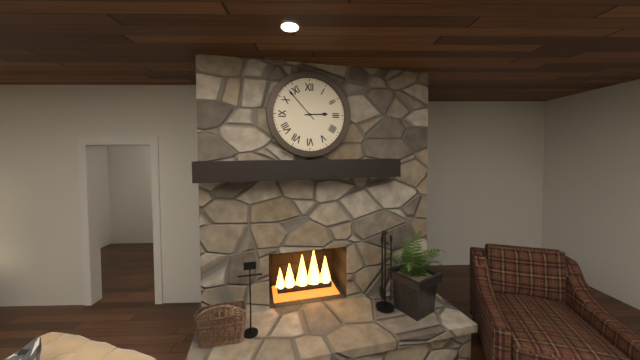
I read 2.53
